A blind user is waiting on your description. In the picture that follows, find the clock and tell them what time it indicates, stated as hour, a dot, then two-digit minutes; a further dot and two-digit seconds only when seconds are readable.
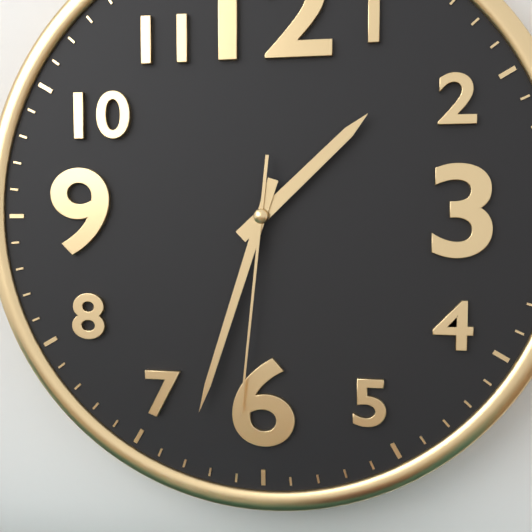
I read 1.33.31
